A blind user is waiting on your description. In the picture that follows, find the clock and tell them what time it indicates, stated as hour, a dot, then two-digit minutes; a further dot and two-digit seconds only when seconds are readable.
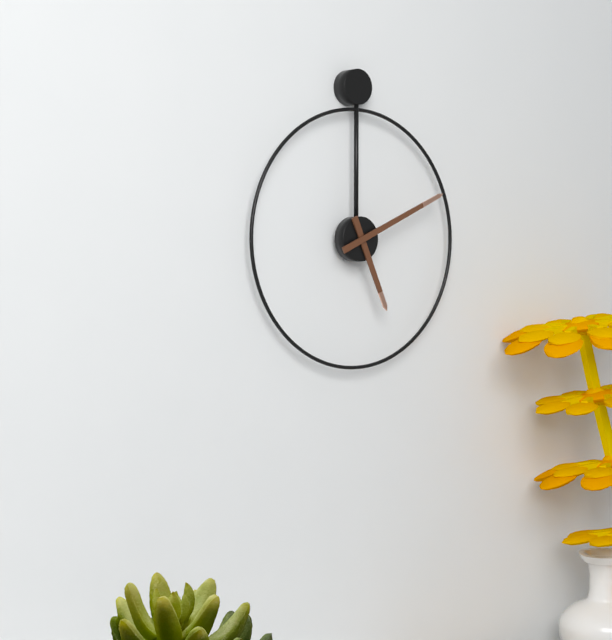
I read 5.11
